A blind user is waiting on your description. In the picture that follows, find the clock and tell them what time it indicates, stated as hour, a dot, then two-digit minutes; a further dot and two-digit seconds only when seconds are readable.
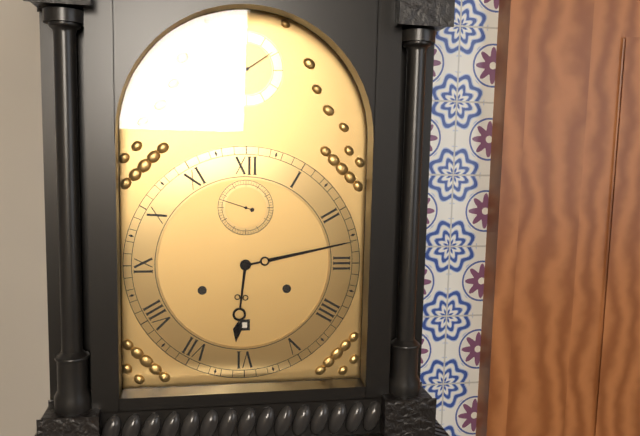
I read 6.13
